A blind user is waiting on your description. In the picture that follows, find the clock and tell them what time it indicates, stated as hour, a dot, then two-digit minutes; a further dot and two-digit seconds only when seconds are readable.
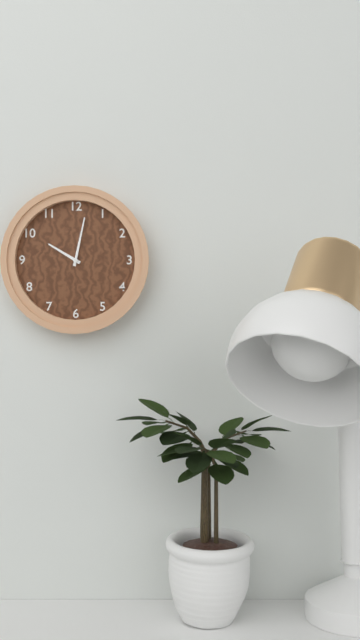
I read 10.02
